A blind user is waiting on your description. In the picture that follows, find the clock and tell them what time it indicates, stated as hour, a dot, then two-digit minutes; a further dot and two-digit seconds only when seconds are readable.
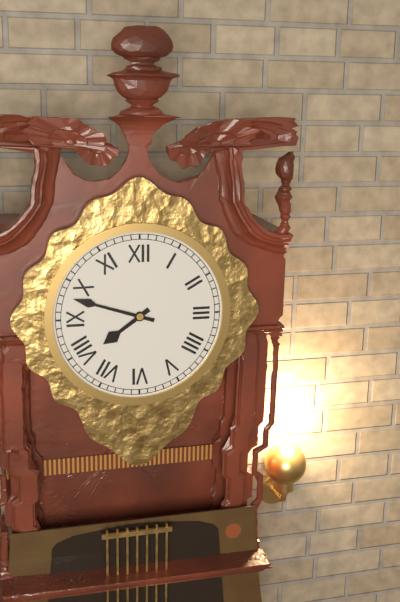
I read 7.48
